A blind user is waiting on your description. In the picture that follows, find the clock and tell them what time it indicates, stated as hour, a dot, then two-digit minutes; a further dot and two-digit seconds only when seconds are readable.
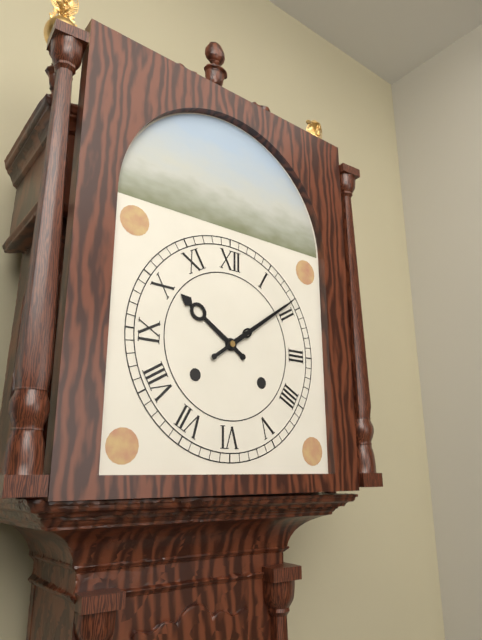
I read 10.09
